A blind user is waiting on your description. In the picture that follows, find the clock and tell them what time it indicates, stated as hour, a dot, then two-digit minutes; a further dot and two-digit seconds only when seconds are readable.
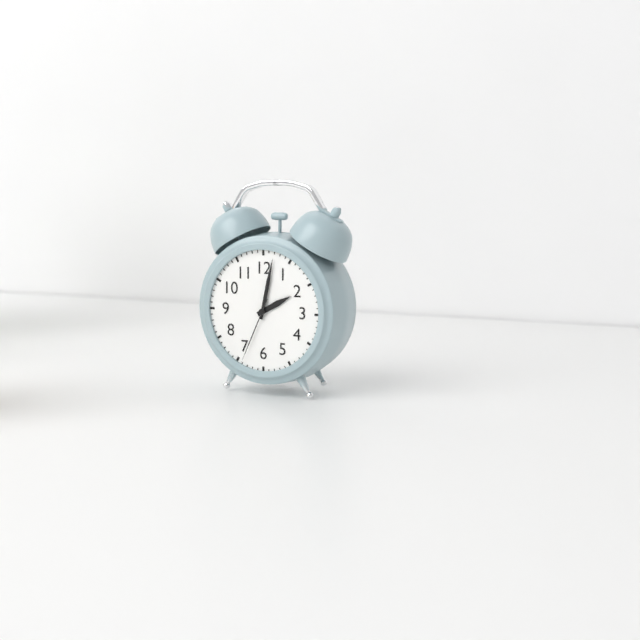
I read 2.02.34
